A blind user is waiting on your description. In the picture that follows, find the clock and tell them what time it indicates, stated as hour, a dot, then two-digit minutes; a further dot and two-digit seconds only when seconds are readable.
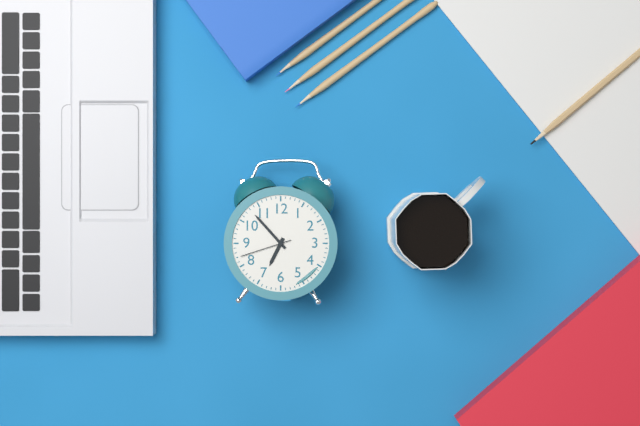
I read 6.53.42
